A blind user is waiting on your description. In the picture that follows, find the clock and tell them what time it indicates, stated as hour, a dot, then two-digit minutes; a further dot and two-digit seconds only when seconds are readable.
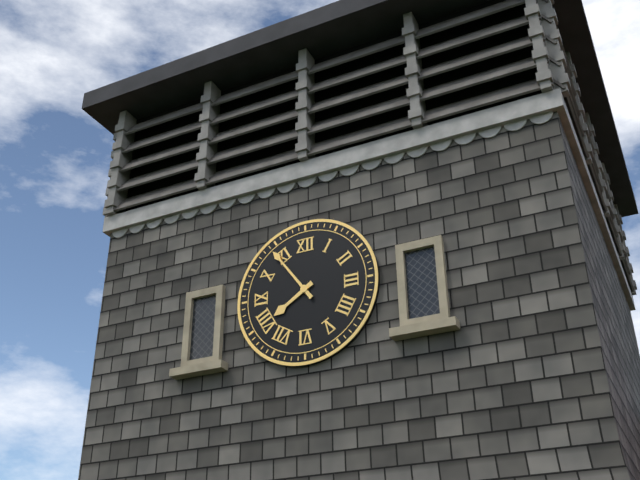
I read 7.54
